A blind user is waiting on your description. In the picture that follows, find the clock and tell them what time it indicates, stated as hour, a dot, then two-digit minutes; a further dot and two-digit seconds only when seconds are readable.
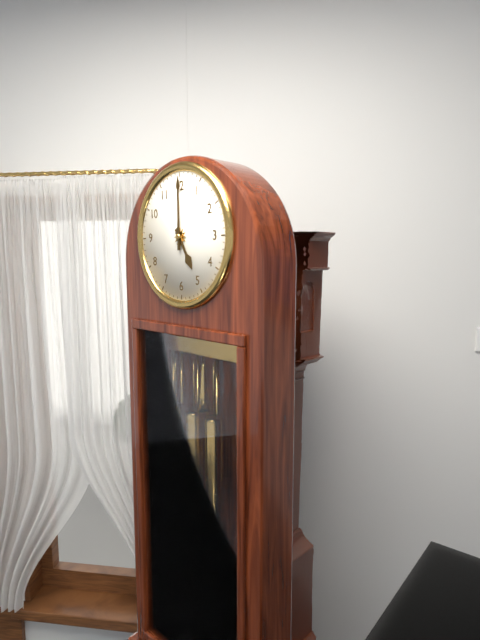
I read 5.00
